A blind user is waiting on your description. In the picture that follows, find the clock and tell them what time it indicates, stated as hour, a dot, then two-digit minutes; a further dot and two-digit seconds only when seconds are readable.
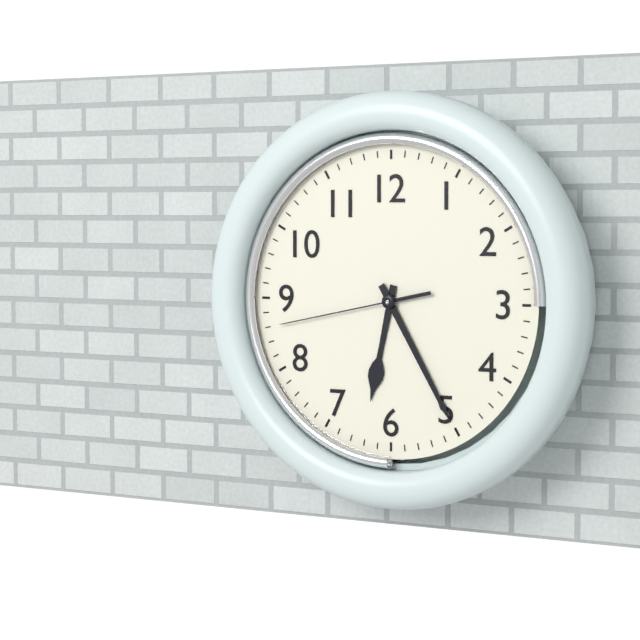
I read 6.25.43
